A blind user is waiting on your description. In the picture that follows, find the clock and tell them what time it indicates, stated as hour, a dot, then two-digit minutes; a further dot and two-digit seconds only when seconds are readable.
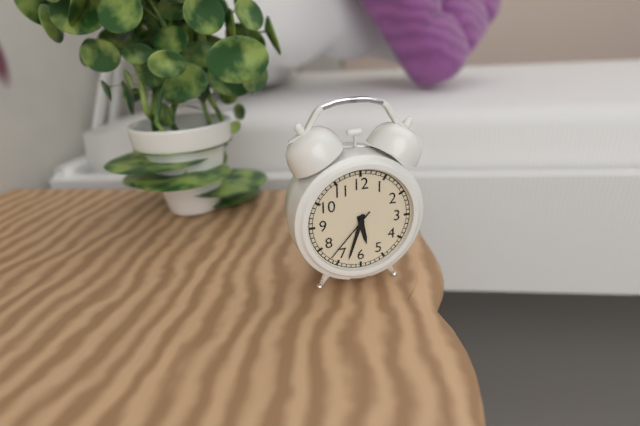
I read 5.33.37
